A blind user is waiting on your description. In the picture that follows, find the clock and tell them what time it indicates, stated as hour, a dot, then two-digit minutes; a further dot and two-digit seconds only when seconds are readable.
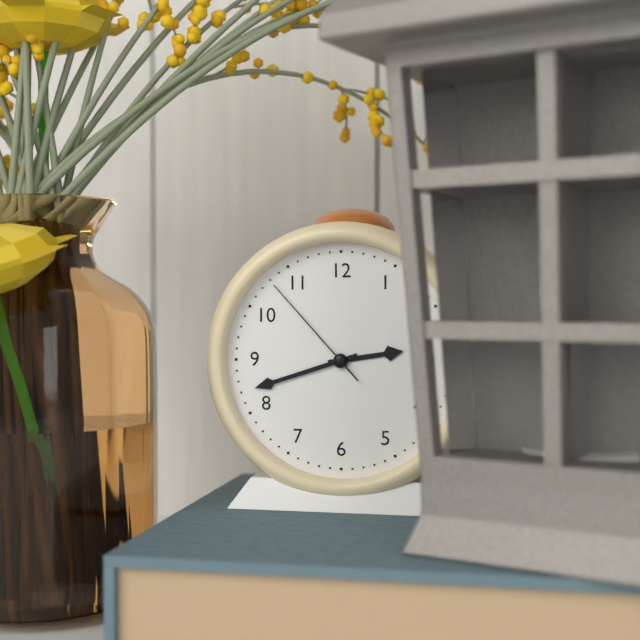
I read 2.42.53
